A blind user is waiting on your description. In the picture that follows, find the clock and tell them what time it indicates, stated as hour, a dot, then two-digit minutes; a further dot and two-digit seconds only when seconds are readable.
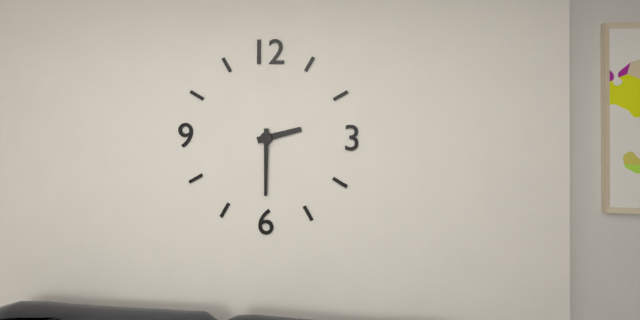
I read 2.30
